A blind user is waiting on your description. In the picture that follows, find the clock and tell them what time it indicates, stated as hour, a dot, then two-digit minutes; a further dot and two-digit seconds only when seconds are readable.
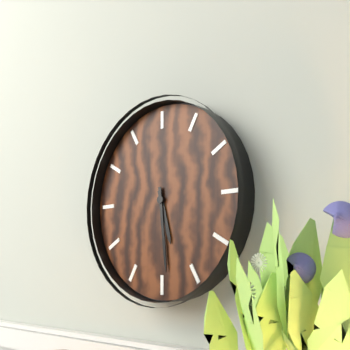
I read 5.29
